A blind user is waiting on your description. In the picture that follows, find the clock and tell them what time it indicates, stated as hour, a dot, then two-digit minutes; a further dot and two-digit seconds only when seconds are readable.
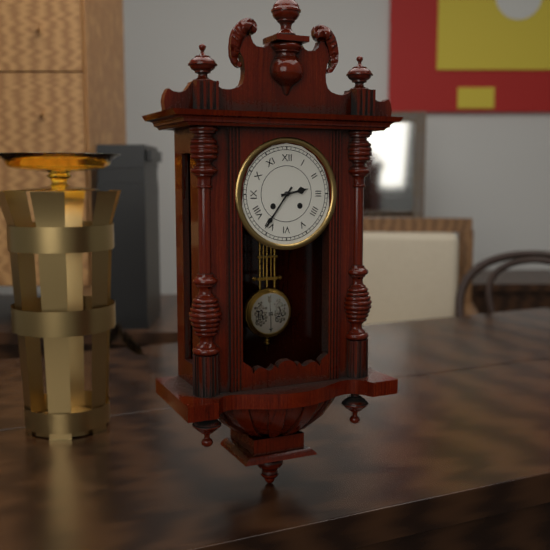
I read 2.36
